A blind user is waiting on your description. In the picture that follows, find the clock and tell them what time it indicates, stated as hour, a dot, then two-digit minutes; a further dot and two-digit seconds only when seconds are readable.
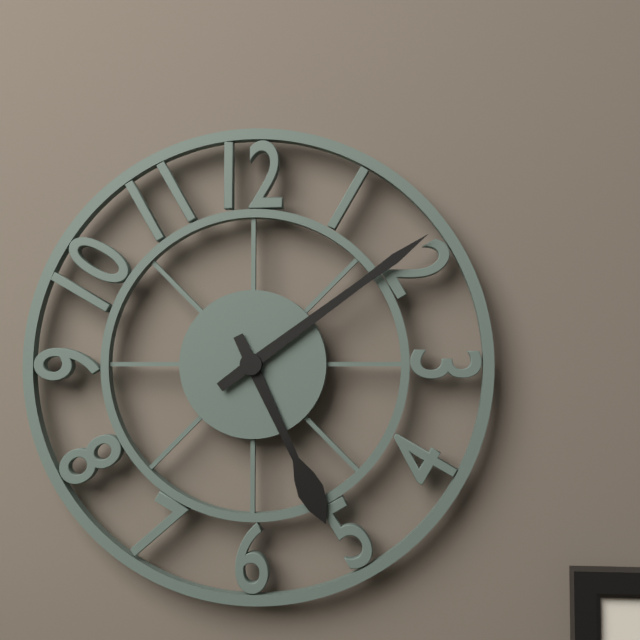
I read 5.09
